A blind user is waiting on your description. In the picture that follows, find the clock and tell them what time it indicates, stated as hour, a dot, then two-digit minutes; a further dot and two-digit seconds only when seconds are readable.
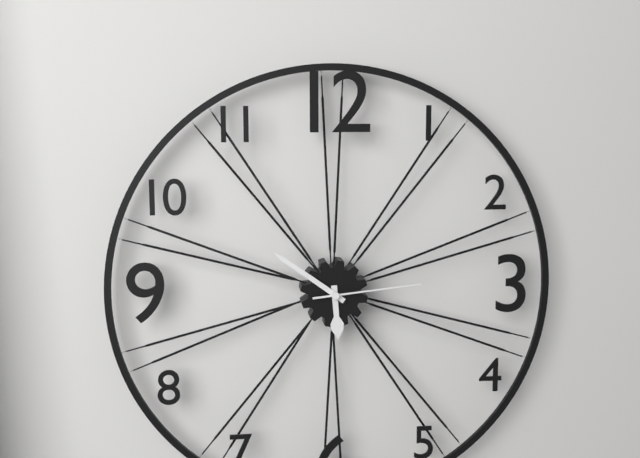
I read 5.51.14
